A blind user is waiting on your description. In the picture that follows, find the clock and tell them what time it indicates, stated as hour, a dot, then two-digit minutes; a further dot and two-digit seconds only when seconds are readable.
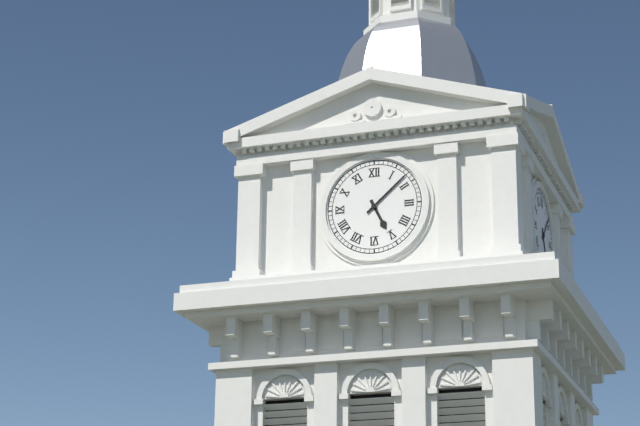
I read 5.08
